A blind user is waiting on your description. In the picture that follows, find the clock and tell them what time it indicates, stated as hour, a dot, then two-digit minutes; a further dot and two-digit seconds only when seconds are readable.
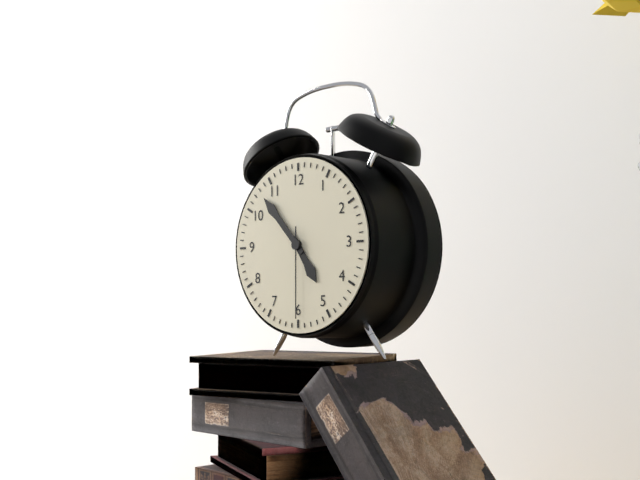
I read 4.53.30
